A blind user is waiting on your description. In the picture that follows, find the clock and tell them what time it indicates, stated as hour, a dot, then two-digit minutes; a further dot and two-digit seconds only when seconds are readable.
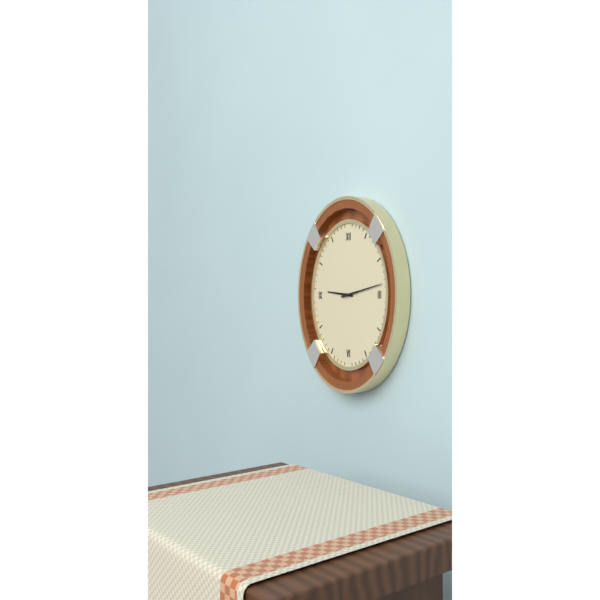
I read 9.13
